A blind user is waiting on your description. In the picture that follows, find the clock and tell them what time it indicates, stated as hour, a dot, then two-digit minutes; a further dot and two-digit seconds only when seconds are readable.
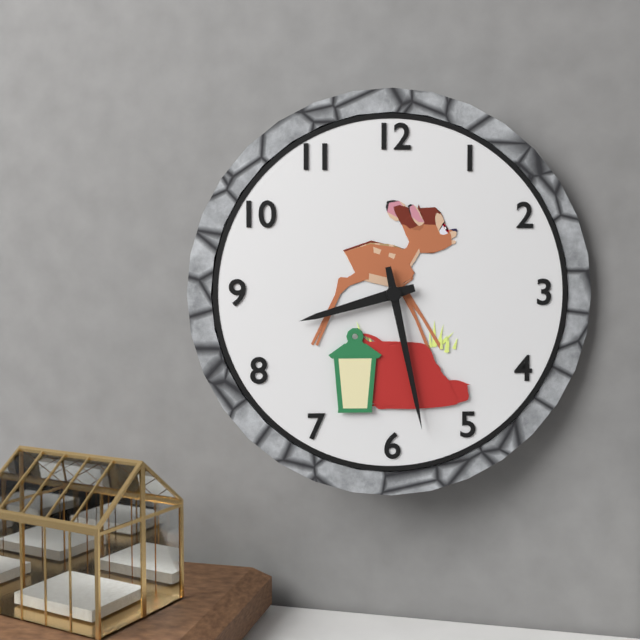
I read 8.28
